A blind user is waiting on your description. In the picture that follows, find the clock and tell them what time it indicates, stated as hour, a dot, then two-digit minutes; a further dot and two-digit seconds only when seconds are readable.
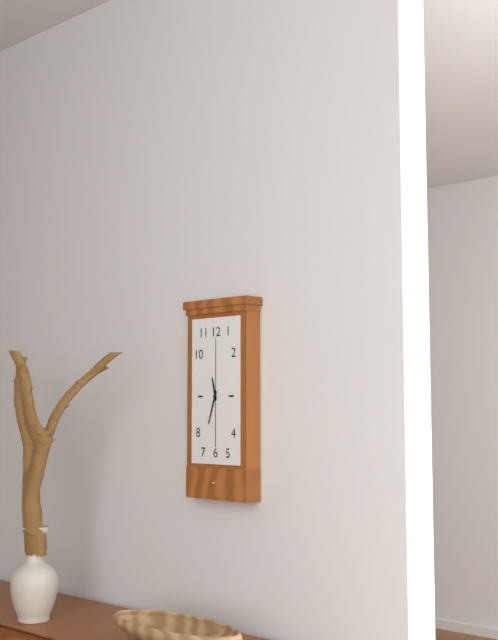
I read 11.33
